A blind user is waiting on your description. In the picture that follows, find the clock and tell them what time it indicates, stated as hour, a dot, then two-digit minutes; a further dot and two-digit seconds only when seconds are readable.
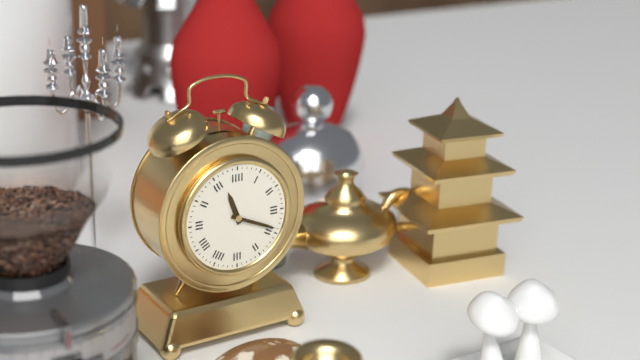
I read 11.19
